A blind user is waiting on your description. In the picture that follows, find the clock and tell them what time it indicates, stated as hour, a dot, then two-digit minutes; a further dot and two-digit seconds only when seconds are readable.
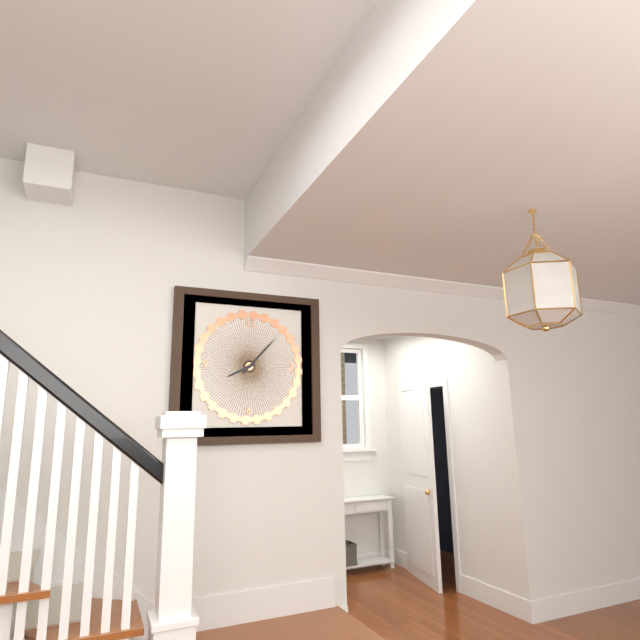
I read 8.07
